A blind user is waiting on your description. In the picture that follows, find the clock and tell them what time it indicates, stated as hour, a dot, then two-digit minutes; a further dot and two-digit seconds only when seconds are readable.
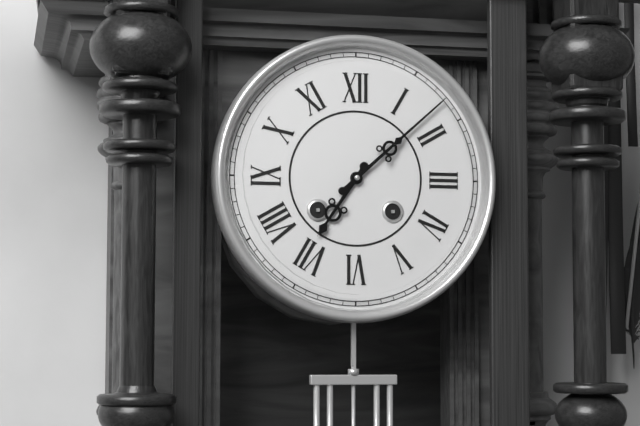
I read 7.08
